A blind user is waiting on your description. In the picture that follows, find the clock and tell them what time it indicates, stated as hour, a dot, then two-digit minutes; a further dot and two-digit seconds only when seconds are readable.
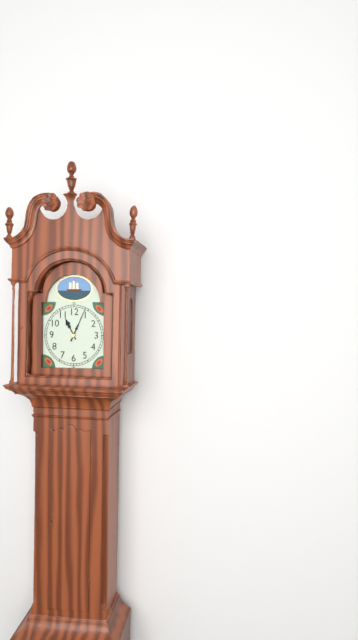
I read 11.04
